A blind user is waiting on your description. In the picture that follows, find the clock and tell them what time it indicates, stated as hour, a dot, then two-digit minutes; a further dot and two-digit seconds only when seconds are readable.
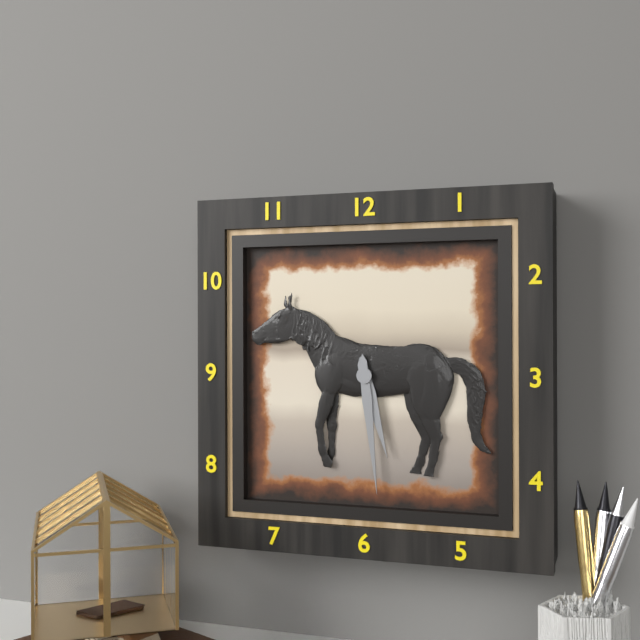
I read 5.29
